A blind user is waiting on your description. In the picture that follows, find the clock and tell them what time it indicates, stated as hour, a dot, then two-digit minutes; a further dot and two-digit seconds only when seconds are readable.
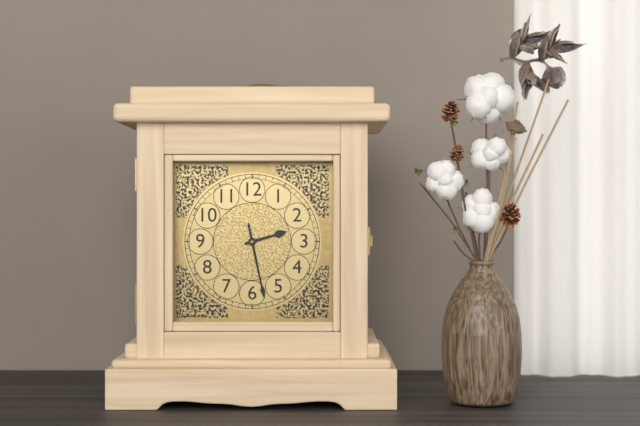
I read 2.28
